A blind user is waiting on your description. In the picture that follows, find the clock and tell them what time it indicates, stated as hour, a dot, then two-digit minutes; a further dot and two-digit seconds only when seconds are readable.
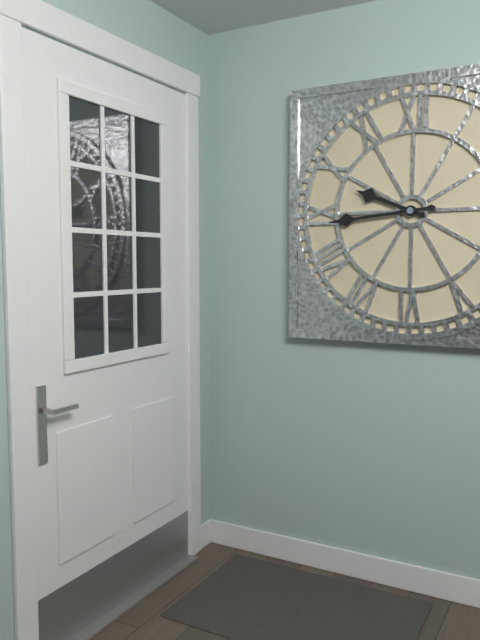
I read 9.44
